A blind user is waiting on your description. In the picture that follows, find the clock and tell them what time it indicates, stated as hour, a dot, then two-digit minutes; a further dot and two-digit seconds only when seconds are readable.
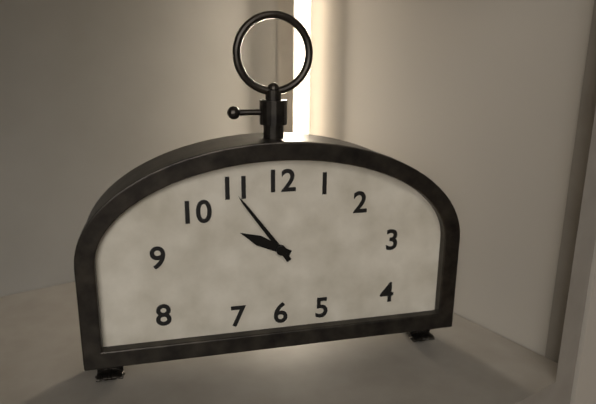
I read 9.54
